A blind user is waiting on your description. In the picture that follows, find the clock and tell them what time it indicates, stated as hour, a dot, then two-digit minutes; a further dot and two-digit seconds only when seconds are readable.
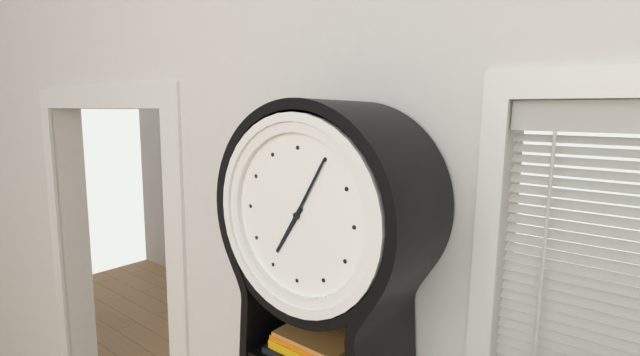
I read 7.05
